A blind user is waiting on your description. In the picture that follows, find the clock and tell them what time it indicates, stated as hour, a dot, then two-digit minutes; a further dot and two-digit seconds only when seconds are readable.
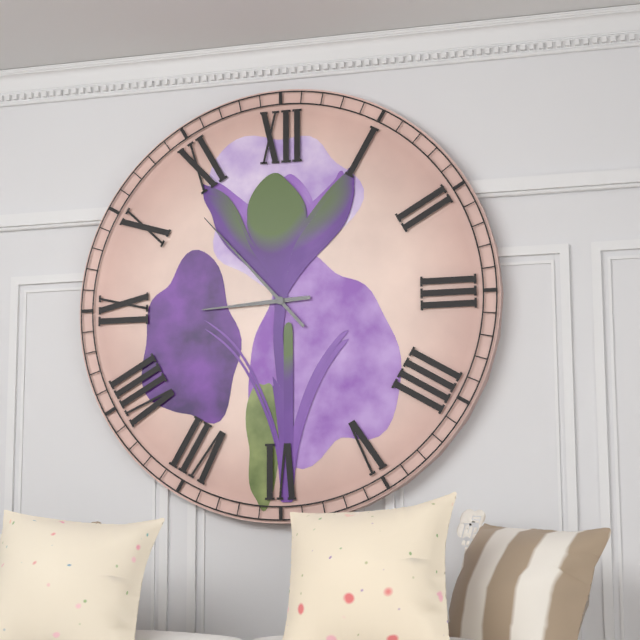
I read 8.53
